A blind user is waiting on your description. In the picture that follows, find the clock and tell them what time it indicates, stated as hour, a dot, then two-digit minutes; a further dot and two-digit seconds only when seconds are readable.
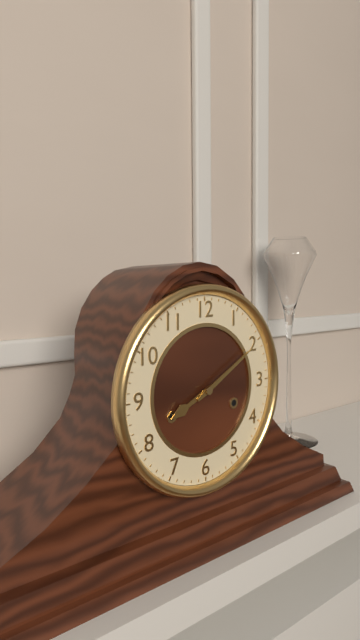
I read 8.10
